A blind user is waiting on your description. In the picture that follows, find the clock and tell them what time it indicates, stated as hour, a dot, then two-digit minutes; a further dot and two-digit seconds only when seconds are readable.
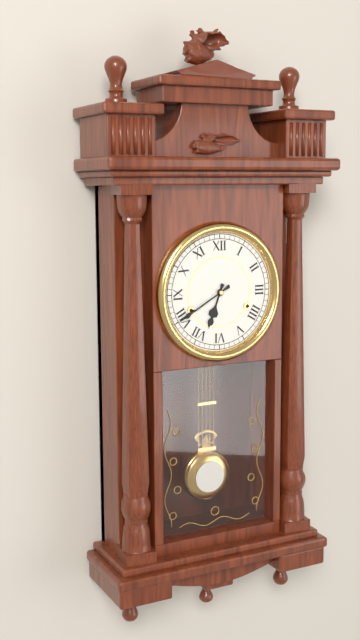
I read 6.40
